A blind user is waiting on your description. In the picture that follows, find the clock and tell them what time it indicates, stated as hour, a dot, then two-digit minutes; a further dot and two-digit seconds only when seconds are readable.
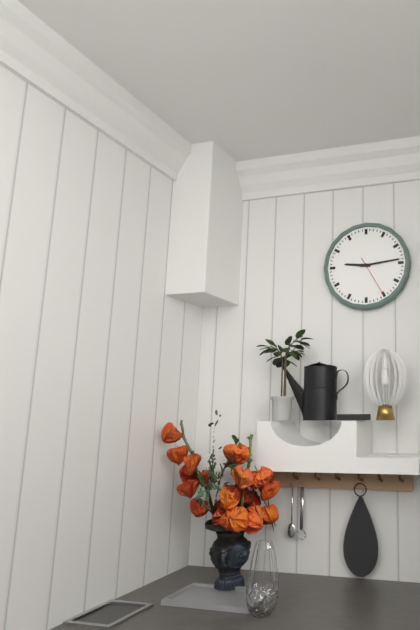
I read 9.14
